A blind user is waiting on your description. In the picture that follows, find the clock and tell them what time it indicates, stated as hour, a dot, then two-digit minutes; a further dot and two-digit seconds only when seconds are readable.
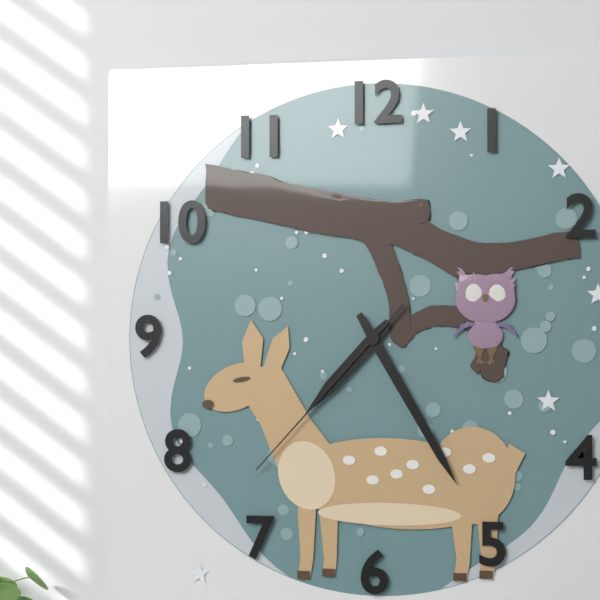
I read 7.25.37
